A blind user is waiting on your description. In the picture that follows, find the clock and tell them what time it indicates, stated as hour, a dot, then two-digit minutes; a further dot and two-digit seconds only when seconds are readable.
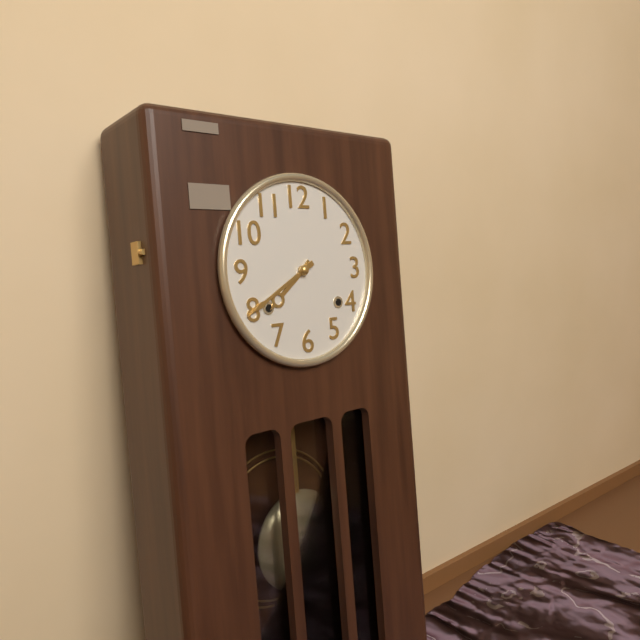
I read 7.40
